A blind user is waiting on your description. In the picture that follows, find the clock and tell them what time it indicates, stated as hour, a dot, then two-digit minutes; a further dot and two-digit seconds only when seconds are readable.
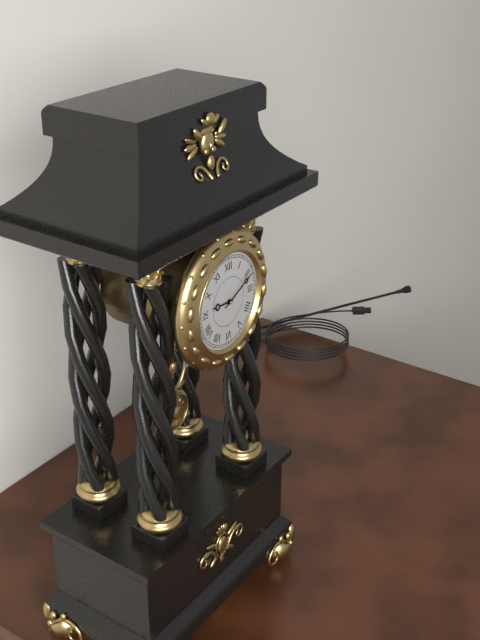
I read 9.11
